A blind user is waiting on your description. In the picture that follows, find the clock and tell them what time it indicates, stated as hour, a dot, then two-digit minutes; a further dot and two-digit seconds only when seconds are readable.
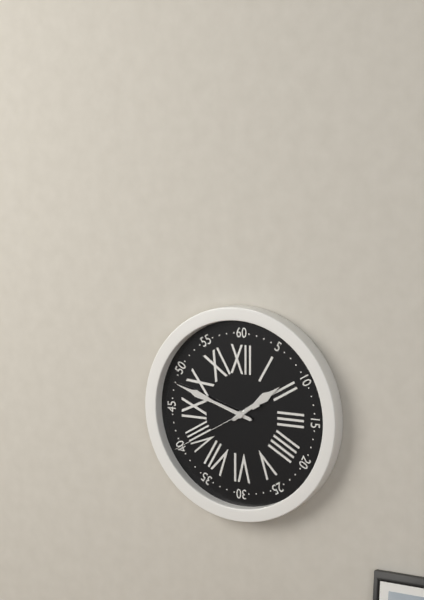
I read 1.48.40
